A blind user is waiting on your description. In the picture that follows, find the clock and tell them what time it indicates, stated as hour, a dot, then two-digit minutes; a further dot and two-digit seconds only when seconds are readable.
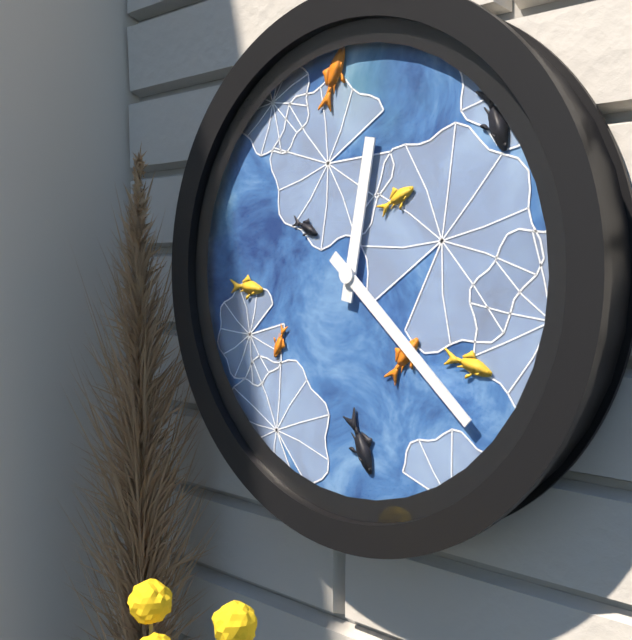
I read 12.22
